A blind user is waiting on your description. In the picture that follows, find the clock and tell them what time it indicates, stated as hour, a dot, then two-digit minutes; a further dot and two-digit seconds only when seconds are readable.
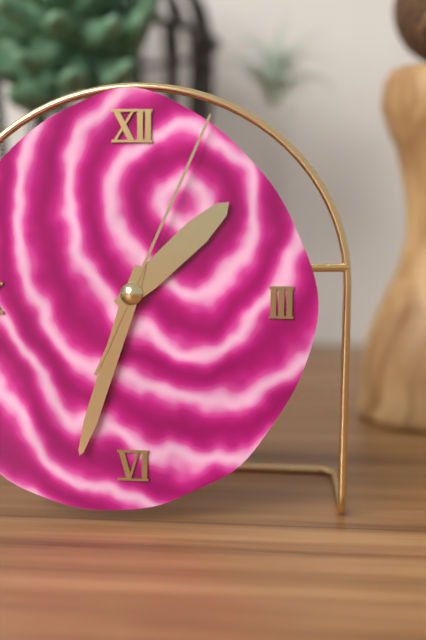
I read 1.33.04
